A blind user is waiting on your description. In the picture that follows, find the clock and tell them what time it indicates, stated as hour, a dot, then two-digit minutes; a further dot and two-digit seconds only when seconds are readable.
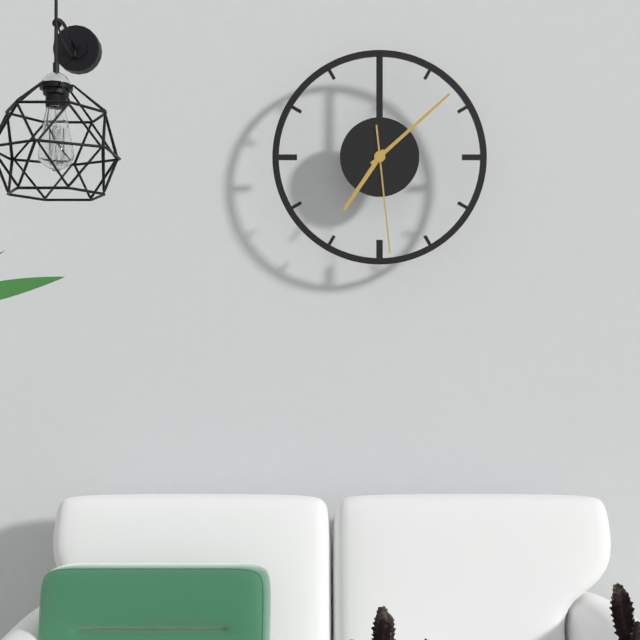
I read 7.08.29
